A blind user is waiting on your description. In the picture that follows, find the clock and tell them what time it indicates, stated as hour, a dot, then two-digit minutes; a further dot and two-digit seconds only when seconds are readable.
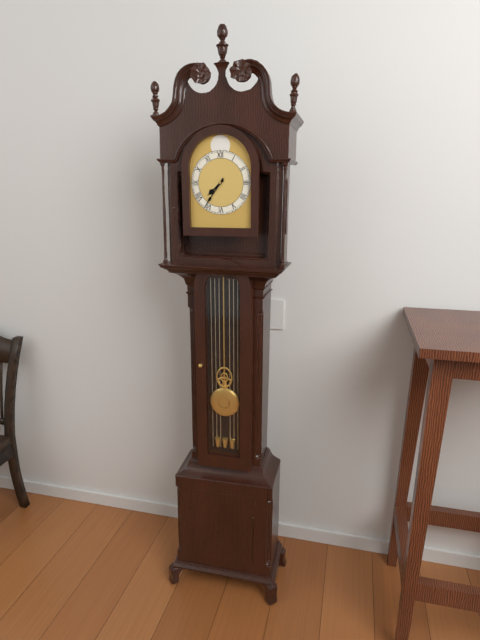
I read 7.36
